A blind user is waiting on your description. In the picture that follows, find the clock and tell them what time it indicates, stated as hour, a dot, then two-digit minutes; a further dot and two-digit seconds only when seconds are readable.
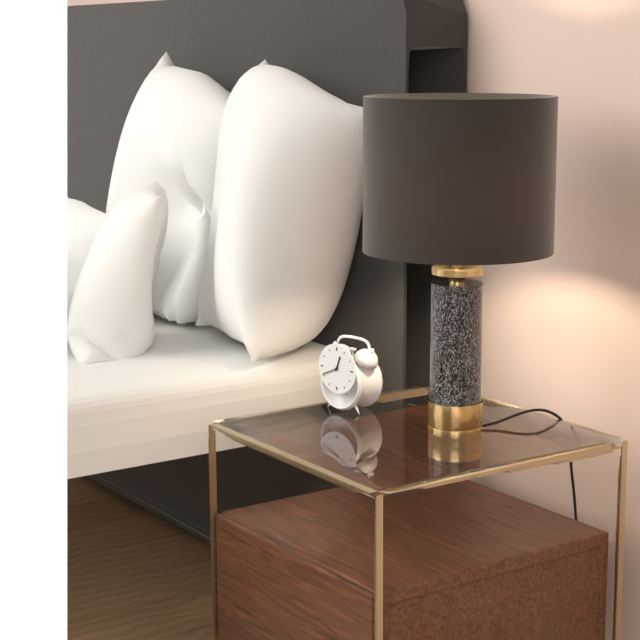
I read 12.41
